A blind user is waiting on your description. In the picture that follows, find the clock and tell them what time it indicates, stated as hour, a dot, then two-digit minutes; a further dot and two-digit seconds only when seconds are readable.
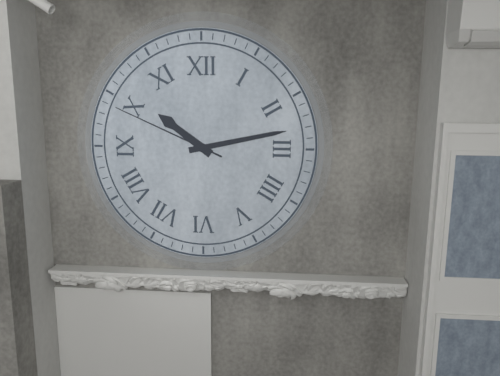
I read 10.13.49
